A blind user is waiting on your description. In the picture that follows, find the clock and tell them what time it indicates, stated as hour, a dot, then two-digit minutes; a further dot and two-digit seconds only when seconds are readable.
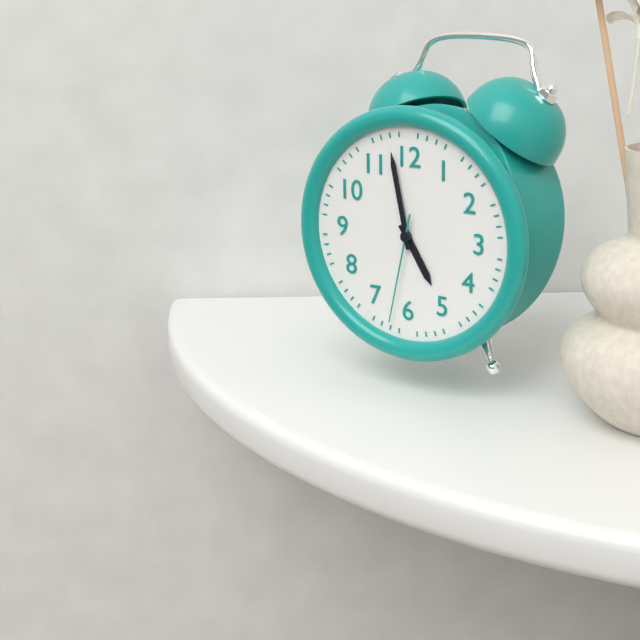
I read 4.58.32
